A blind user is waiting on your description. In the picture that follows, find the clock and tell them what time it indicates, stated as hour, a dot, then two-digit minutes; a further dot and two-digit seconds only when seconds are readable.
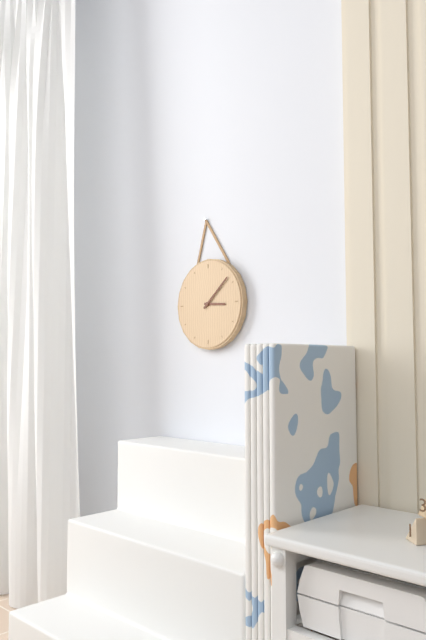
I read 3.08
